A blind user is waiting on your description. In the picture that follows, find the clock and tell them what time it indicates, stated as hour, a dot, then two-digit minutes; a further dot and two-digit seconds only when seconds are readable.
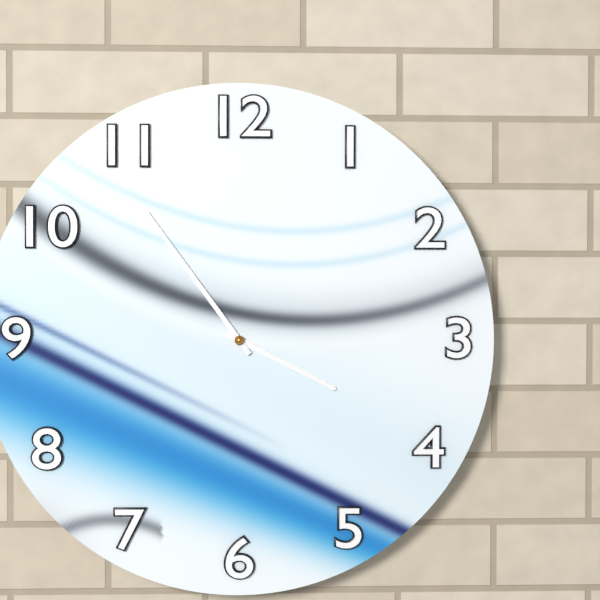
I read 3.54
